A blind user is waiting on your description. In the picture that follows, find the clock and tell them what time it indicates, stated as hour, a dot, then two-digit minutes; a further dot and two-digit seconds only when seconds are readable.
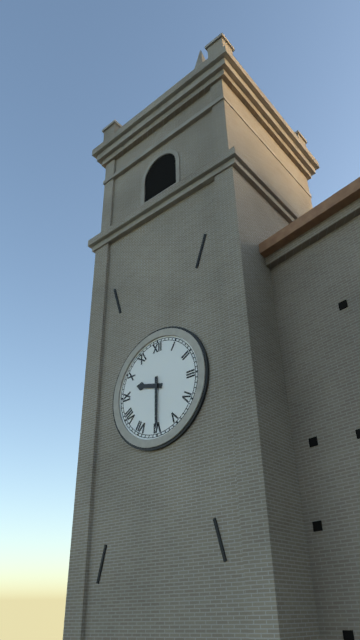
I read 9.30
